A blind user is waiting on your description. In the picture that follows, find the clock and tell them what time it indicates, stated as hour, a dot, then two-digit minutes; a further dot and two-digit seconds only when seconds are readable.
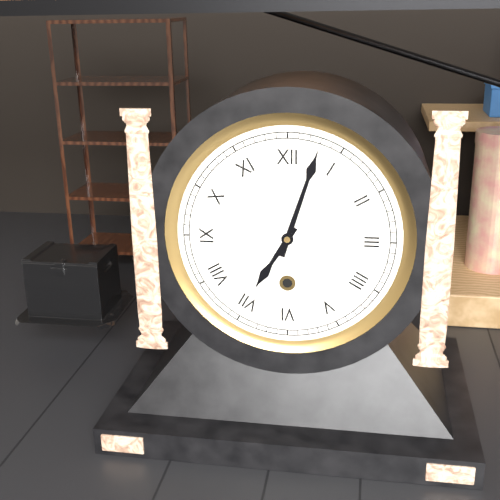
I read 7.03
